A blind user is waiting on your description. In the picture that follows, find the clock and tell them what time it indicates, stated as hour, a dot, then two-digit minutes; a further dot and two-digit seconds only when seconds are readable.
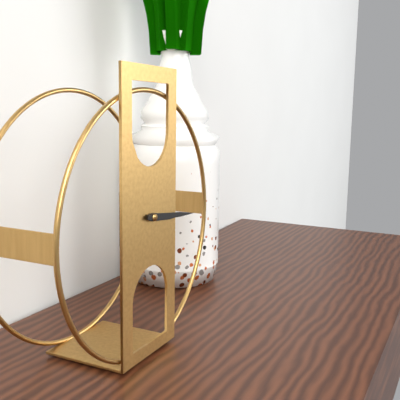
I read 3.16
